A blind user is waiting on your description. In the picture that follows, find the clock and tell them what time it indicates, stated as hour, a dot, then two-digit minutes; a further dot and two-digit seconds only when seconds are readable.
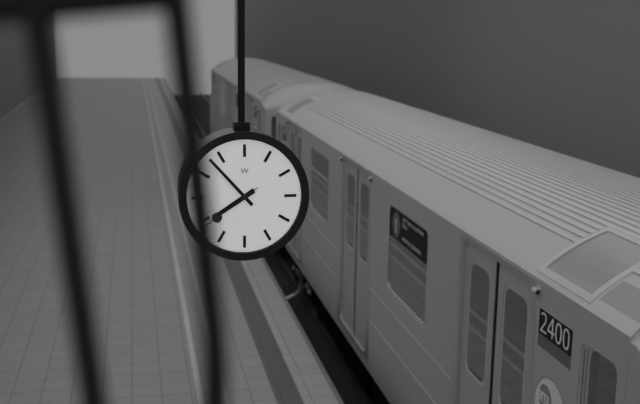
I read 7.53.39
